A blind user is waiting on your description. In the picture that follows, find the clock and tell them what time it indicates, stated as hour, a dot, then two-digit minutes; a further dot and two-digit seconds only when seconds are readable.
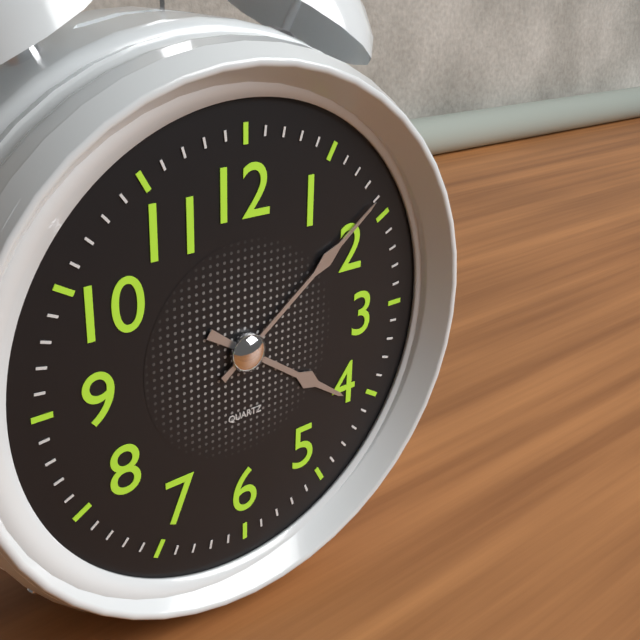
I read 4.09
